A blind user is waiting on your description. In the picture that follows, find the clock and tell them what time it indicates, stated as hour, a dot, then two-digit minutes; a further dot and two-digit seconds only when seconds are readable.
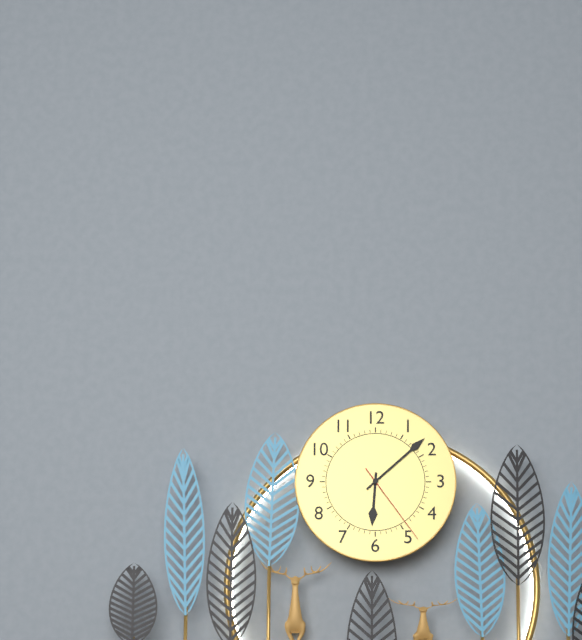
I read 6.08.24
